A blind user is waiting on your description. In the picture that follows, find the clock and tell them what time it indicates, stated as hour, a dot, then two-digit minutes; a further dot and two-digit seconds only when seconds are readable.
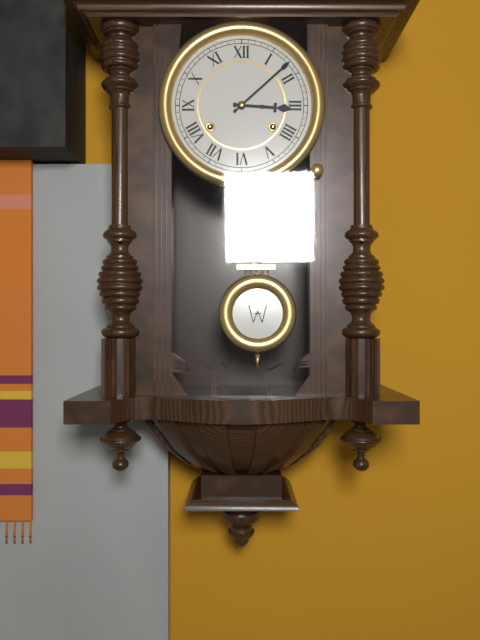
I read 3.08
